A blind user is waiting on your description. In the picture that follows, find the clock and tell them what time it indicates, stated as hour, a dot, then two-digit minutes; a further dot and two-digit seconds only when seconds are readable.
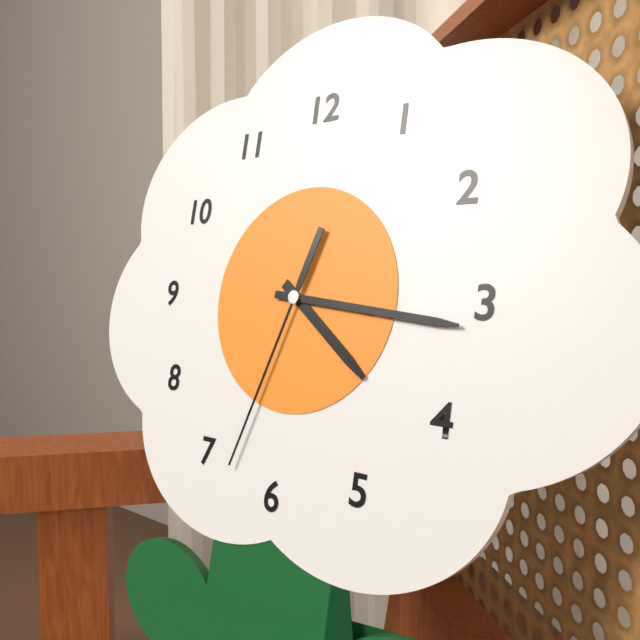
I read 4.16.33
